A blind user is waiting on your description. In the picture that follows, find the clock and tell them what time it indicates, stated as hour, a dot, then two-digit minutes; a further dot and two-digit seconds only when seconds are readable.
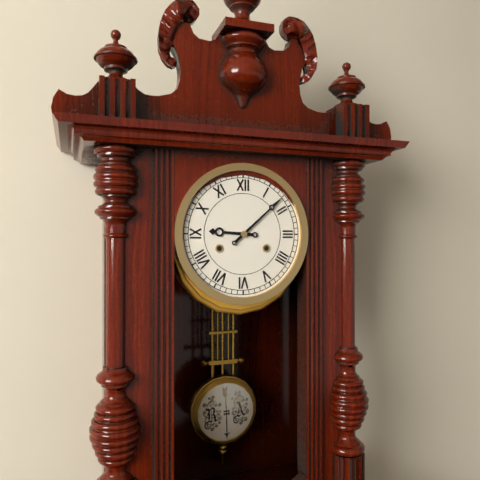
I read 9.08
